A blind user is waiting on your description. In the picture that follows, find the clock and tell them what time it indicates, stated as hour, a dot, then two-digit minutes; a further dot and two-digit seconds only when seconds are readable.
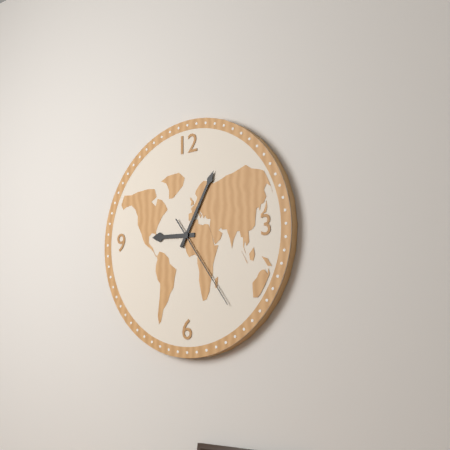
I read 9.05.24
